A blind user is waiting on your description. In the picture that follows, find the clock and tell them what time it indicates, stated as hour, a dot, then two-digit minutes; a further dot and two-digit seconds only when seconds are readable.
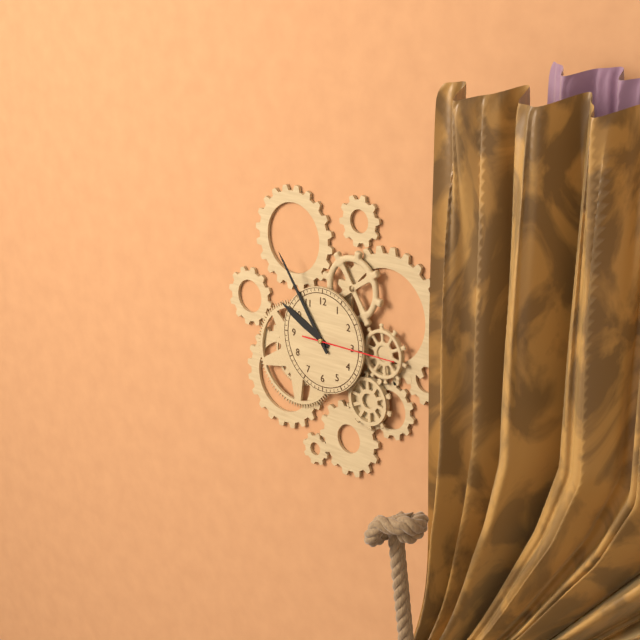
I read 9.54.15
